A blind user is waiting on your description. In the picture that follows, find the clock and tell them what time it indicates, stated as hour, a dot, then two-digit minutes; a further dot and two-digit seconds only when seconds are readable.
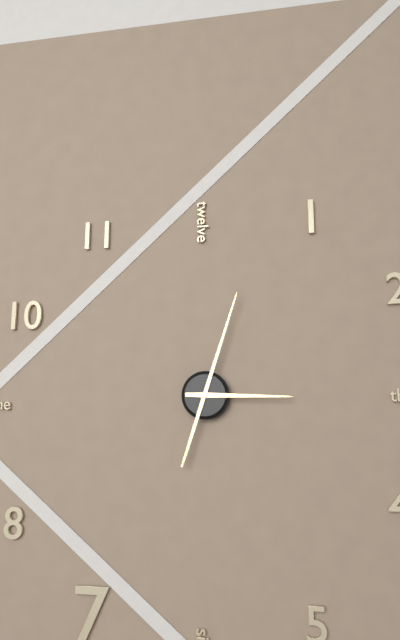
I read 3.03
